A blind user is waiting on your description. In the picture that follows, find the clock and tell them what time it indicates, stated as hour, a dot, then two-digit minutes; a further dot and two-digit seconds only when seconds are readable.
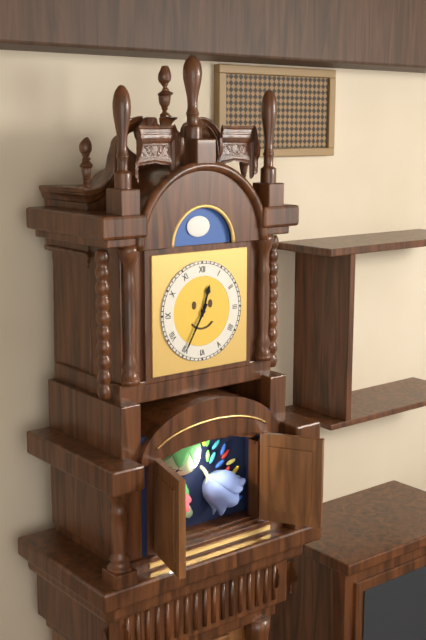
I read 12.35
